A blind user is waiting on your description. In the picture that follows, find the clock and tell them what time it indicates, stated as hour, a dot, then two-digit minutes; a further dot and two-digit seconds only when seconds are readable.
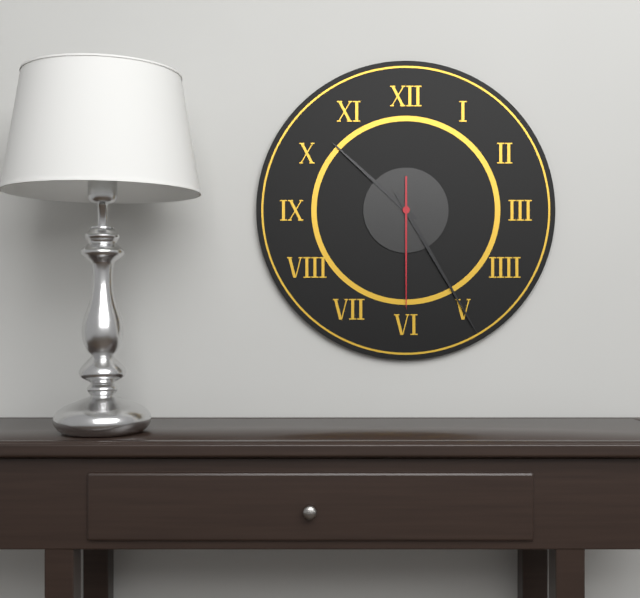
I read 10.25.30
